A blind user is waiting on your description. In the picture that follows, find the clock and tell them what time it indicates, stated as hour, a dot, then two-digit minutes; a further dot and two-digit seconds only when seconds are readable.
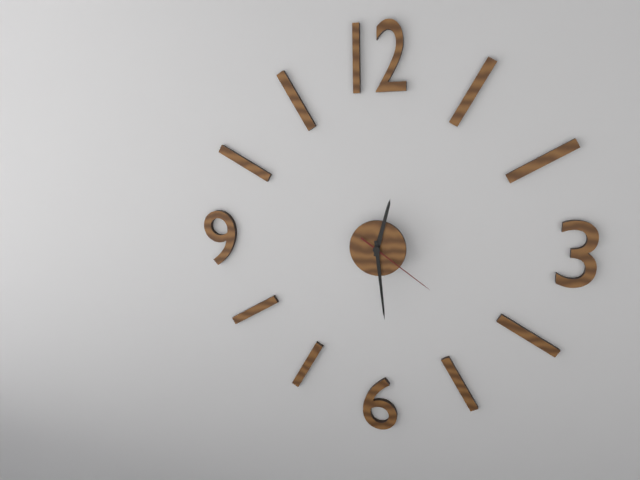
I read 12.29.21
